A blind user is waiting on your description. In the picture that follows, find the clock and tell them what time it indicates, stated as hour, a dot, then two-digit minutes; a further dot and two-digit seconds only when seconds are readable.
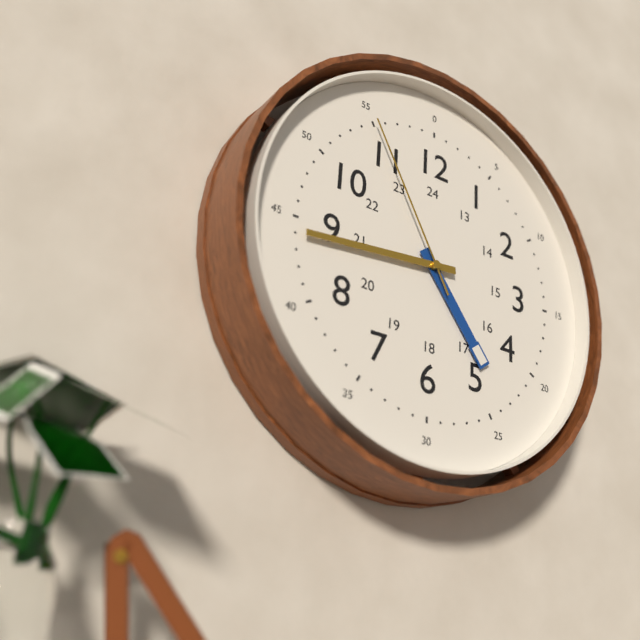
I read 4.44.55
